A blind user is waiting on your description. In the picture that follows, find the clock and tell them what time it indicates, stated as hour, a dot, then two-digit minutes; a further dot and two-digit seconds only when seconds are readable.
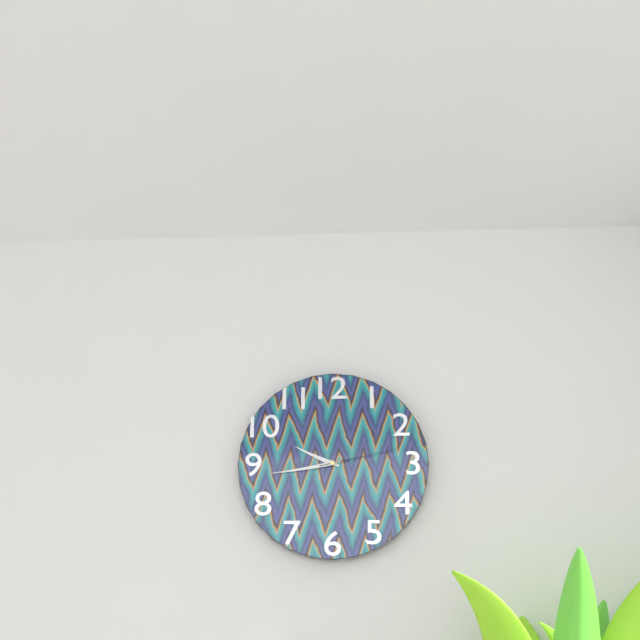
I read 9.43.13
